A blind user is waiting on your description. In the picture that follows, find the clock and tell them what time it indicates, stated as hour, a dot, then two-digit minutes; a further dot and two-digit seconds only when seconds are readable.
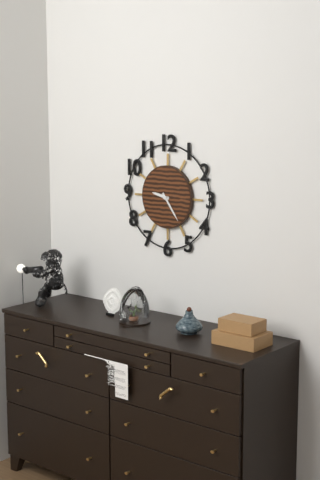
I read 9.24
